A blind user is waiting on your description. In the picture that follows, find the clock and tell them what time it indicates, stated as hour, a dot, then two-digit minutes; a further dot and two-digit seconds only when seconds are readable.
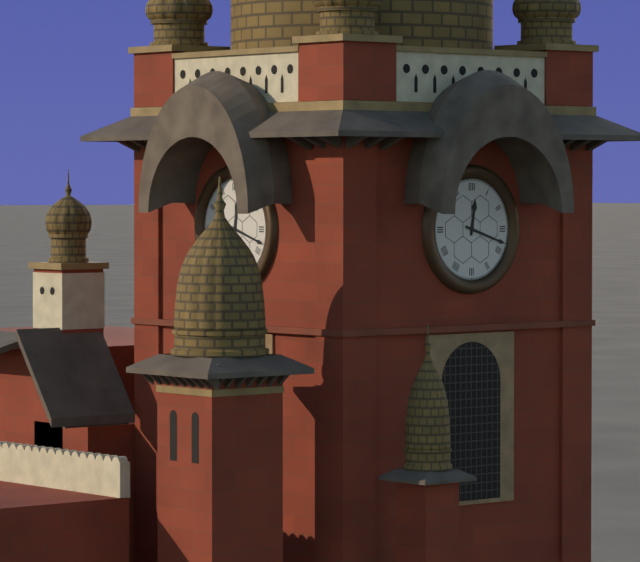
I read 12.18
